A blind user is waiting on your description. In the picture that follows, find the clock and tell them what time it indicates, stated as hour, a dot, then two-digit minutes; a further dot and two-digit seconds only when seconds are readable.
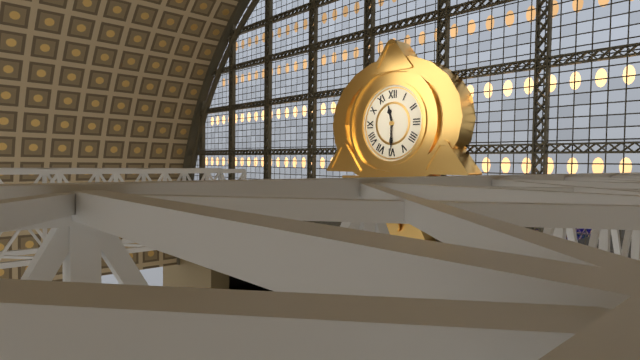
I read 11.30
